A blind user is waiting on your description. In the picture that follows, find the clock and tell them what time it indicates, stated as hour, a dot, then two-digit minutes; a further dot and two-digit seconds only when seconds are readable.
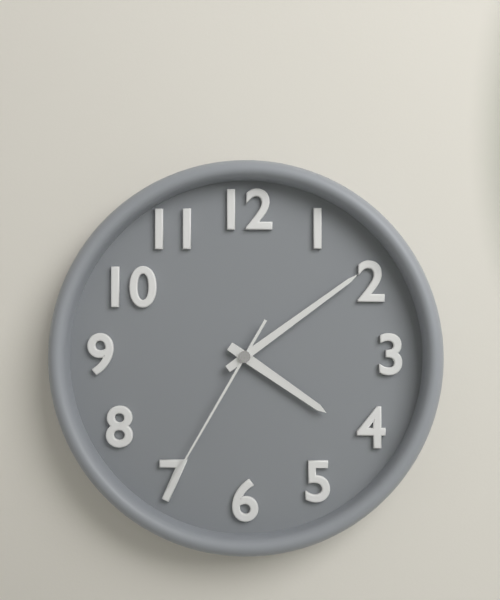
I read 4.09.35
